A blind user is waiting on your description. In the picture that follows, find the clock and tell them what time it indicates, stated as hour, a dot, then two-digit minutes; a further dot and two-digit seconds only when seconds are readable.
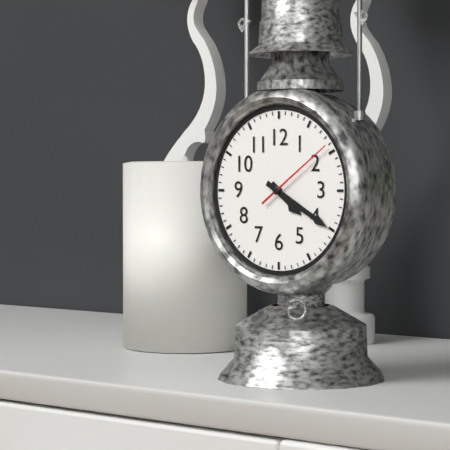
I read 4.20.09
